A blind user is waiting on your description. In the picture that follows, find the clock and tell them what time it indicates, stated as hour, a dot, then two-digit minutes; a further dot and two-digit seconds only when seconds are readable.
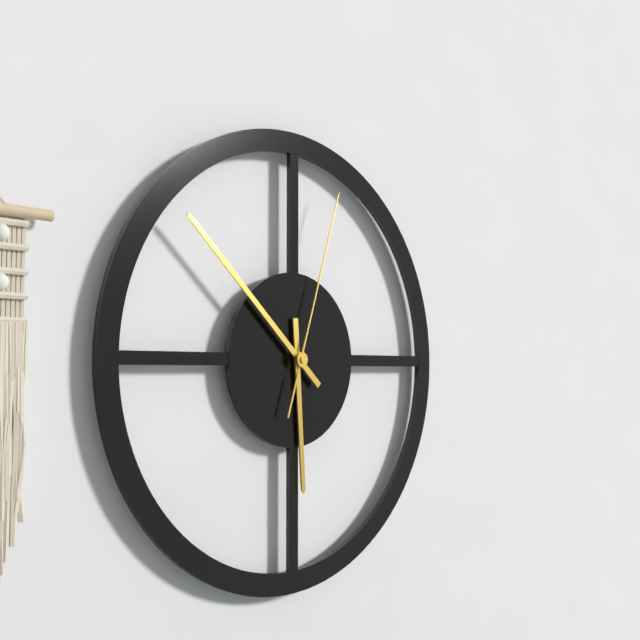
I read 5.52.03
